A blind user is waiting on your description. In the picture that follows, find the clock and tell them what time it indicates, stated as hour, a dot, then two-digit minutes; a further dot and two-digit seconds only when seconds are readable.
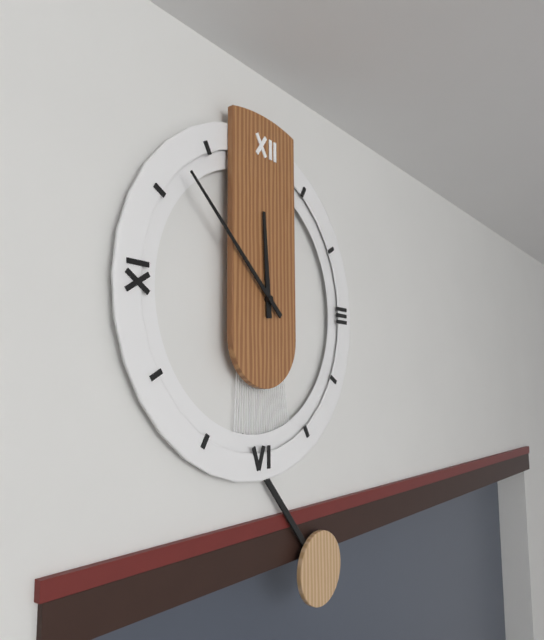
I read 11.52
